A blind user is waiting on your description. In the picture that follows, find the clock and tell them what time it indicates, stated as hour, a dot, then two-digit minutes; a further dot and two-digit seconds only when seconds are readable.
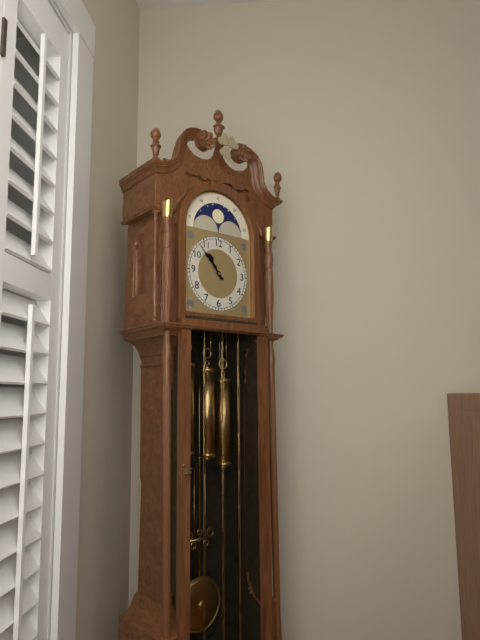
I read 10.53
